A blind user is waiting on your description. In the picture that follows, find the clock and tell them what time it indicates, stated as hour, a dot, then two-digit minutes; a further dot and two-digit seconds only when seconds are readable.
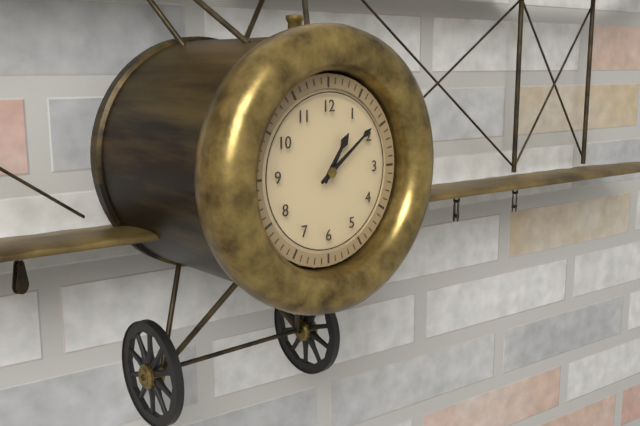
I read 1.09
